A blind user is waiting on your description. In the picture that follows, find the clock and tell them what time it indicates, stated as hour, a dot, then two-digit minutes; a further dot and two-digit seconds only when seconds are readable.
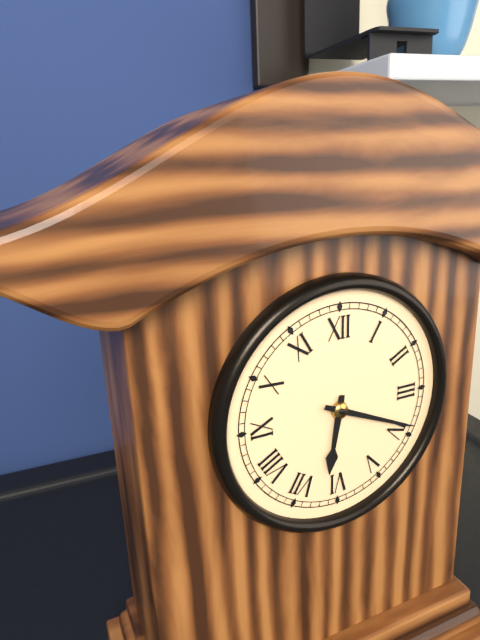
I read 6.19
